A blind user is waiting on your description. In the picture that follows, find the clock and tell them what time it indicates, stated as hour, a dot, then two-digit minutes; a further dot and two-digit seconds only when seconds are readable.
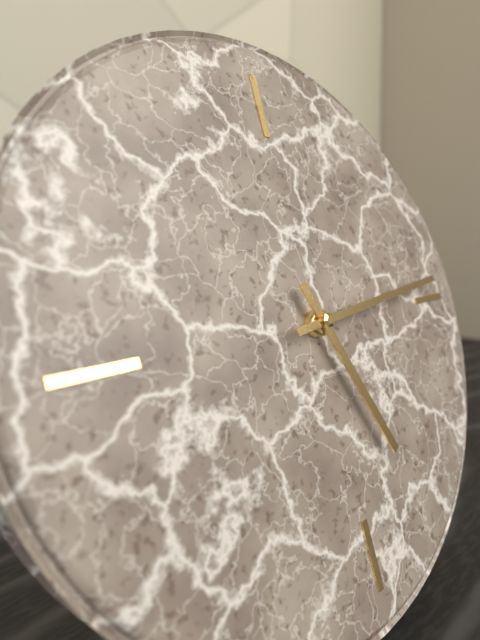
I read 5.14
